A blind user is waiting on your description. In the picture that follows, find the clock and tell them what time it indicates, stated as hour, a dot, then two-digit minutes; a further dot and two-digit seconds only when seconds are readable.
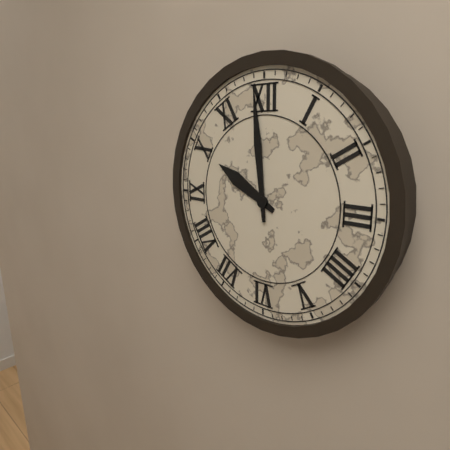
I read 9.59
